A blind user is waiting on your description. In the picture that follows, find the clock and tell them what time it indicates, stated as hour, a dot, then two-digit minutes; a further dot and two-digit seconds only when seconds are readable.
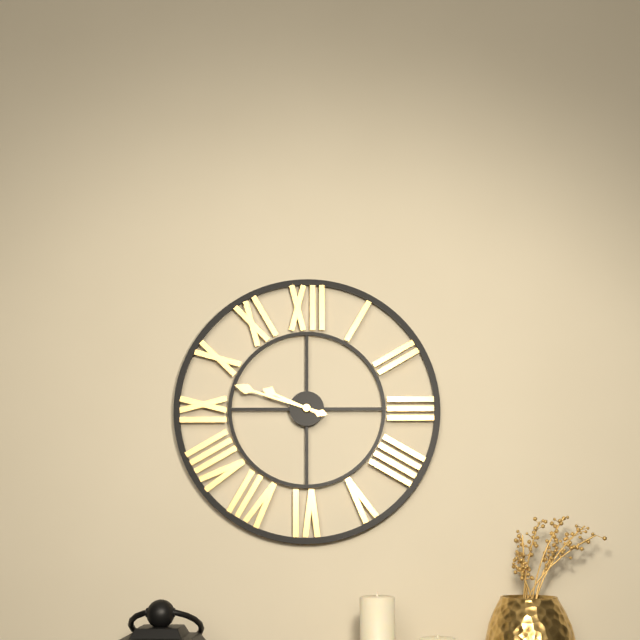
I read 9.48
